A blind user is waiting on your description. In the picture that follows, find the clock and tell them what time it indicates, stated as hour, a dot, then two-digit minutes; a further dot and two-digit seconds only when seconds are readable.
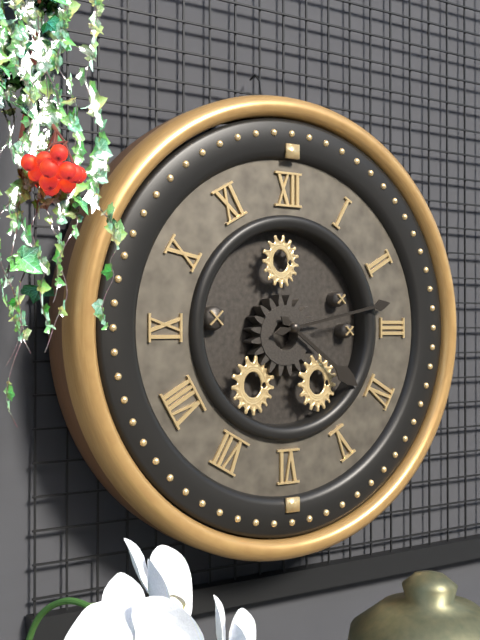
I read 4.13
